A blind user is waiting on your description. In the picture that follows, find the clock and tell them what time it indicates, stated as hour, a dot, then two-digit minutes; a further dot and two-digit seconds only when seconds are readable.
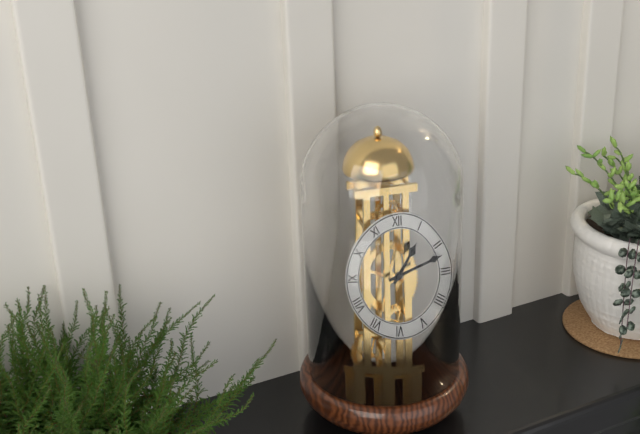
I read 1.12
